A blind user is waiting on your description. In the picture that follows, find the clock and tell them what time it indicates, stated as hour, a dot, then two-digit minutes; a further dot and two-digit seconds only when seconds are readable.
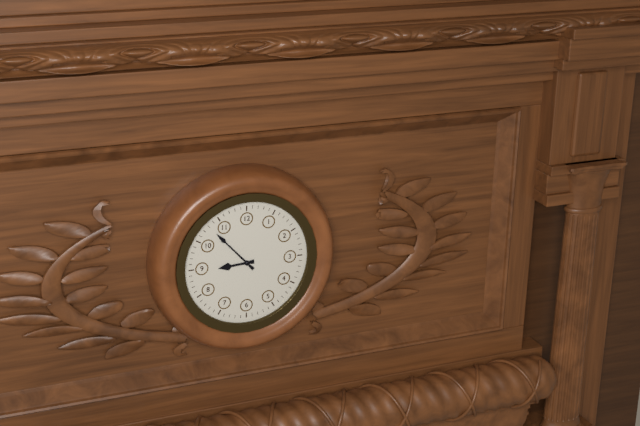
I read 8.53
